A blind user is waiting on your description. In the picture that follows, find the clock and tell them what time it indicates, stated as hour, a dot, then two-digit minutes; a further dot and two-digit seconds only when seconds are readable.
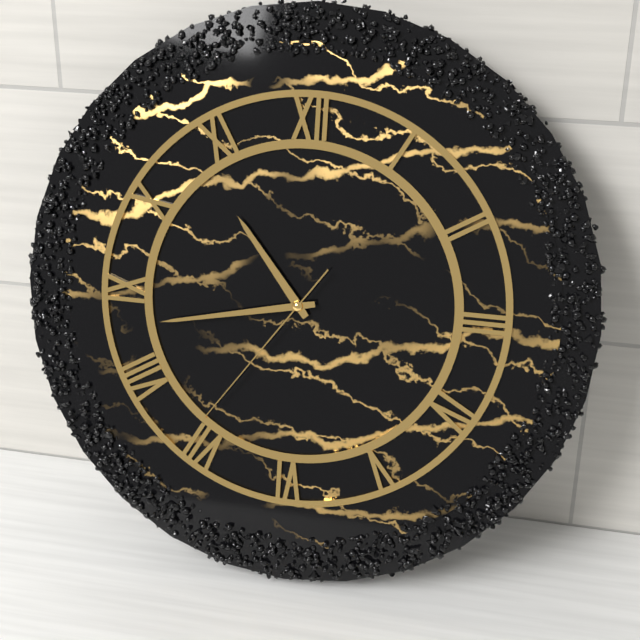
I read 10.43.36
